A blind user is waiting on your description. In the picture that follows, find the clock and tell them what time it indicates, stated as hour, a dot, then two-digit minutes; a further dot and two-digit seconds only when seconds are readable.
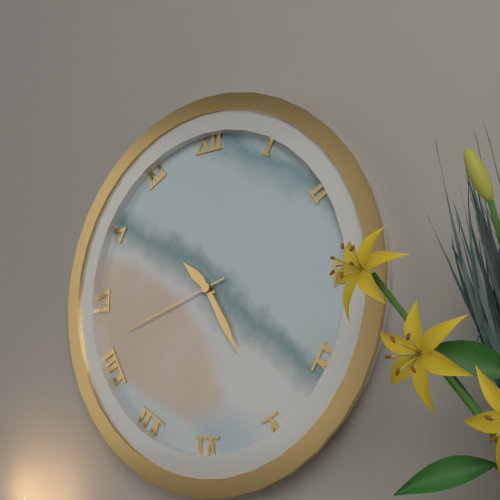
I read 10.25.42
